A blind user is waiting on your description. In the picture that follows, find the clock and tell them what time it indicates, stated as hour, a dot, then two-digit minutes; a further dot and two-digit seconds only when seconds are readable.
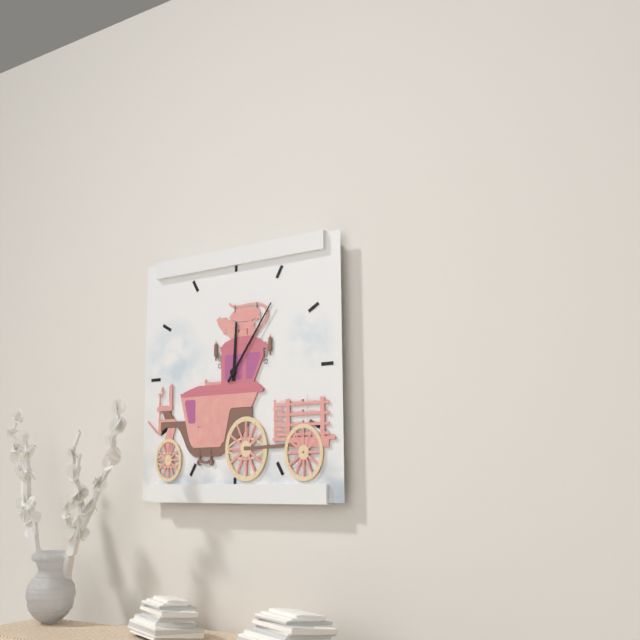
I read 12.06
